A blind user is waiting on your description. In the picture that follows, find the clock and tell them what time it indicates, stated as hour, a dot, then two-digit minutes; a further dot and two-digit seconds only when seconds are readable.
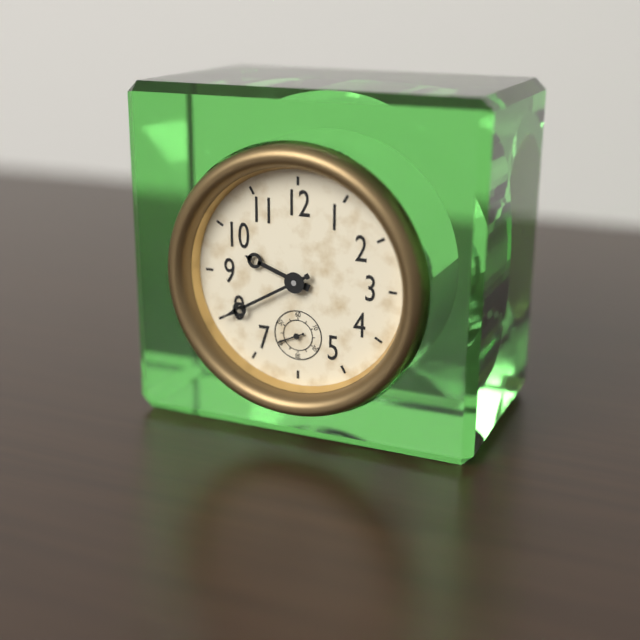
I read 9.40
